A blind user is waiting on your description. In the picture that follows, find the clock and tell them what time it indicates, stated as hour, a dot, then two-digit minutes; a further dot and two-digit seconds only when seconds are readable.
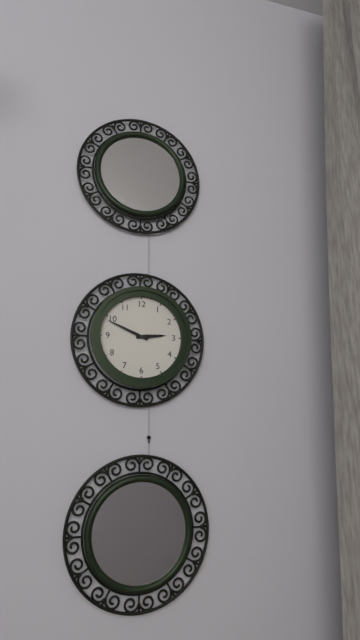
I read 2.49
